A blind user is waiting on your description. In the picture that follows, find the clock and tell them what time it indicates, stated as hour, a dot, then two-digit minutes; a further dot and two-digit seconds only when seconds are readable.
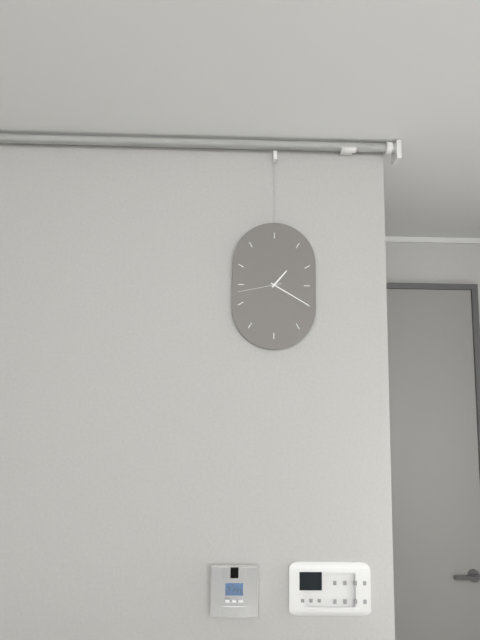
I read 1.20
